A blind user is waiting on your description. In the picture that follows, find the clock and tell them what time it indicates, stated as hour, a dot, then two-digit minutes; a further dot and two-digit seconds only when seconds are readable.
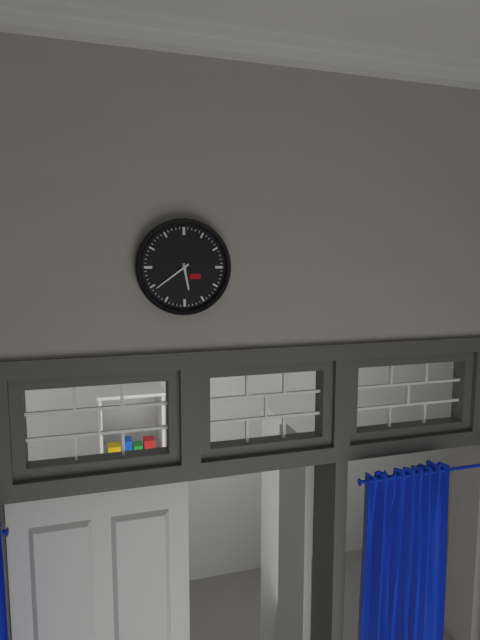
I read 5.39
